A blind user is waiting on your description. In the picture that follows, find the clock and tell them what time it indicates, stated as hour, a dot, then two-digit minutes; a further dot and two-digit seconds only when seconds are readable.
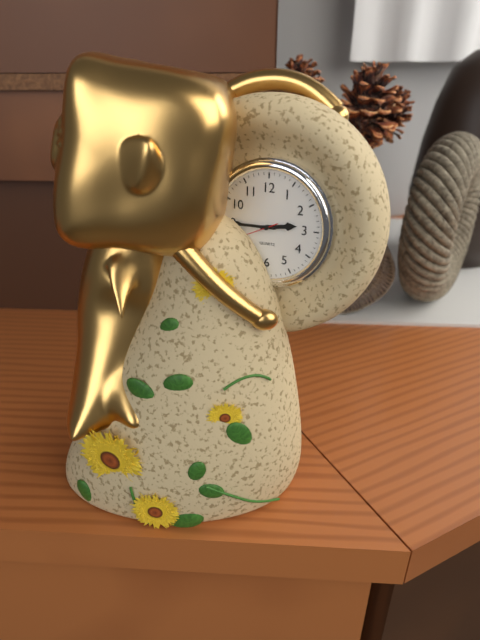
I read 2.45
